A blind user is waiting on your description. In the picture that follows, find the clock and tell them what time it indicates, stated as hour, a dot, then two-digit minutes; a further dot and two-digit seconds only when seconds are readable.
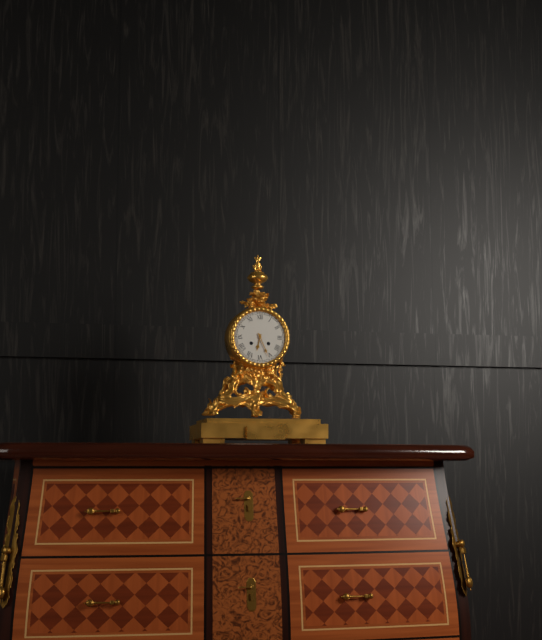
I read 6.26
